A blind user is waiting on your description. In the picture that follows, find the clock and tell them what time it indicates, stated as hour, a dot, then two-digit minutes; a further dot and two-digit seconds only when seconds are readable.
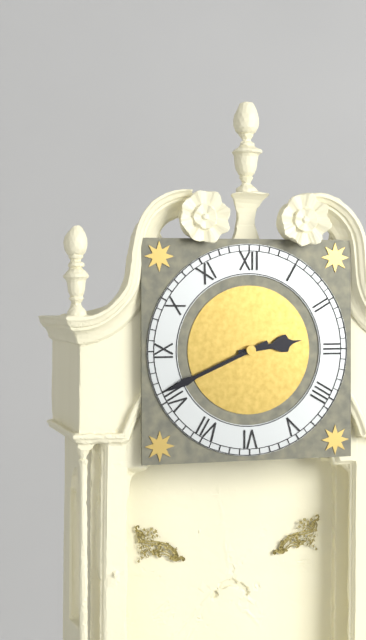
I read 2.41
